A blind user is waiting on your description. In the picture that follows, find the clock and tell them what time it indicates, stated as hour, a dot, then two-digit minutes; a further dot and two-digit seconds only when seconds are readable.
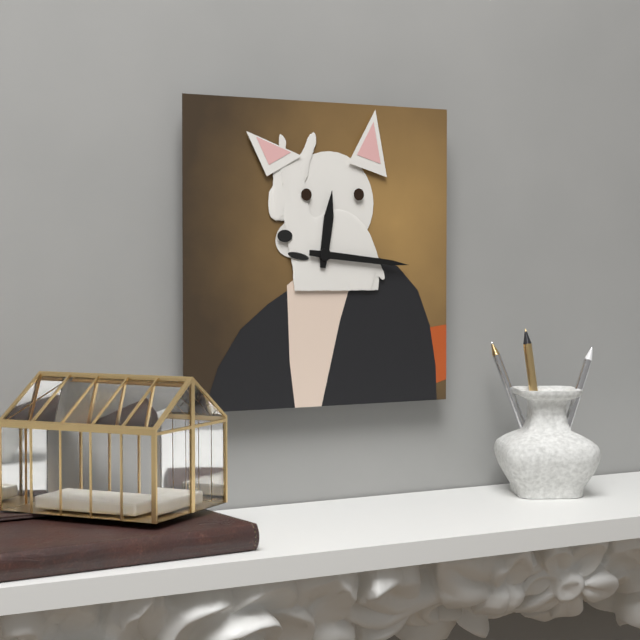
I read 12.16
